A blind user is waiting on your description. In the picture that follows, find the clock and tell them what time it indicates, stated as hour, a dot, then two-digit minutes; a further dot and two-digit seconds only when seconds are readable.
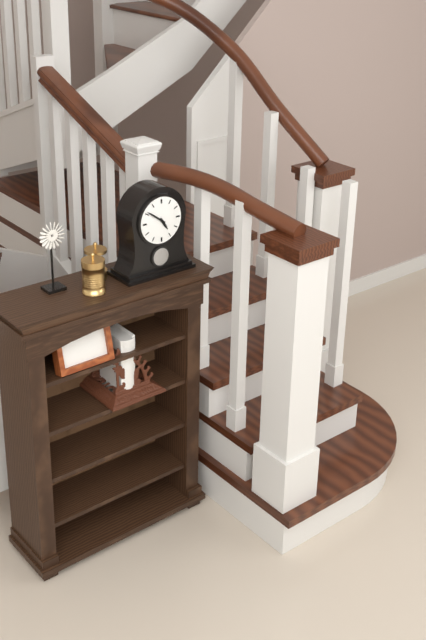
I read 4.51
